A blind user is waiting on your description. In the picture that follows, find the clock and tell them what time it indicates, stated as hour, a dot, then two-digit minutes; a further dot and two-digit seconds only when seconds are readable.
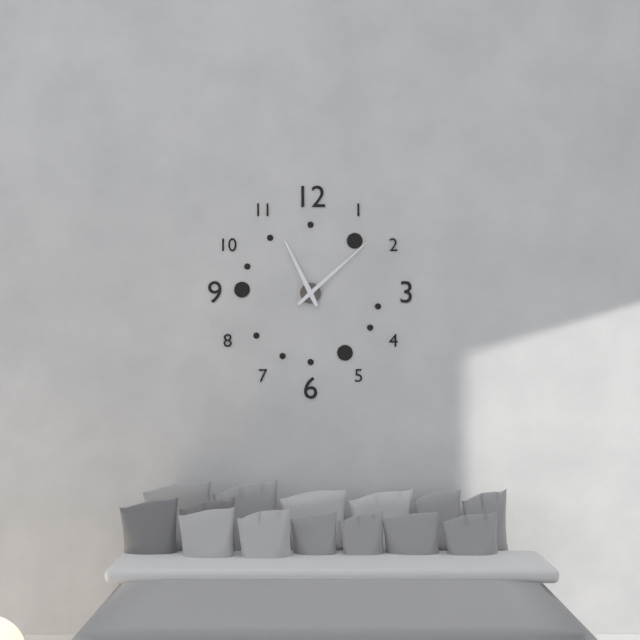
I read 11.08
